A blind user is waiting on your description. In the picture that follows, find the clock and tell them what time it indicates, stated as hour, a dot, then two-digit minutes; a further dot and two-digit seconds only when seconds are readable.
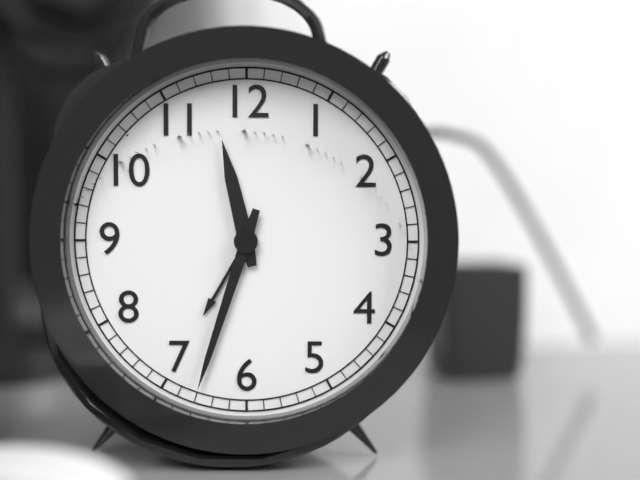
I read 11.33
